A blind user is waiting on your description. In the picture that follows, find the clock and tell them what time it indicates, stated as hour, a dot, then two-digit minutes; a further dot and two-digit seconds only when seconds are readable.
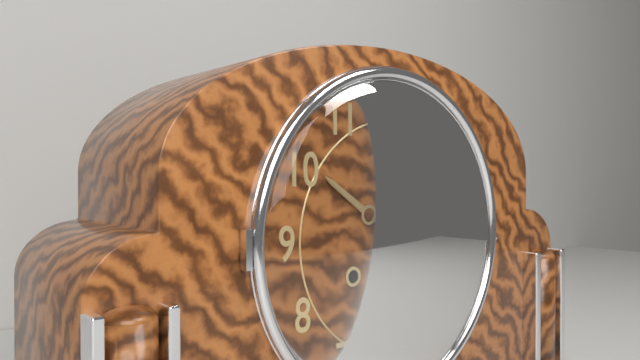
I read 10.08
